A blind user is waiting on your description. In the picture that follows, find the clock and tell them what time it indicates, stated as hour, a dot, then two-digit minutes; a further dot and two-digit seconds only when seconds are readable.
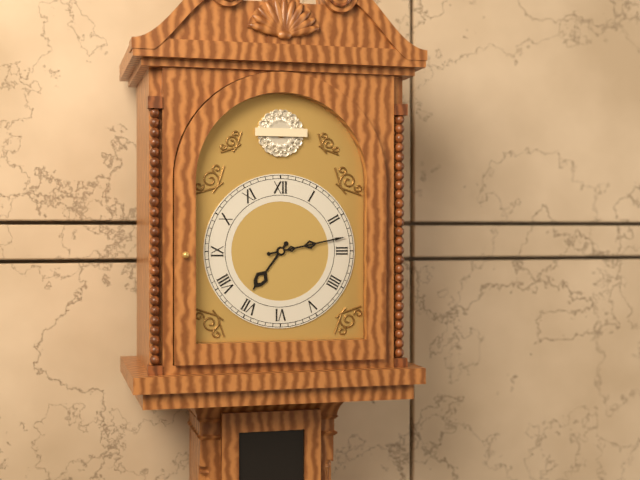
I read 7.13
